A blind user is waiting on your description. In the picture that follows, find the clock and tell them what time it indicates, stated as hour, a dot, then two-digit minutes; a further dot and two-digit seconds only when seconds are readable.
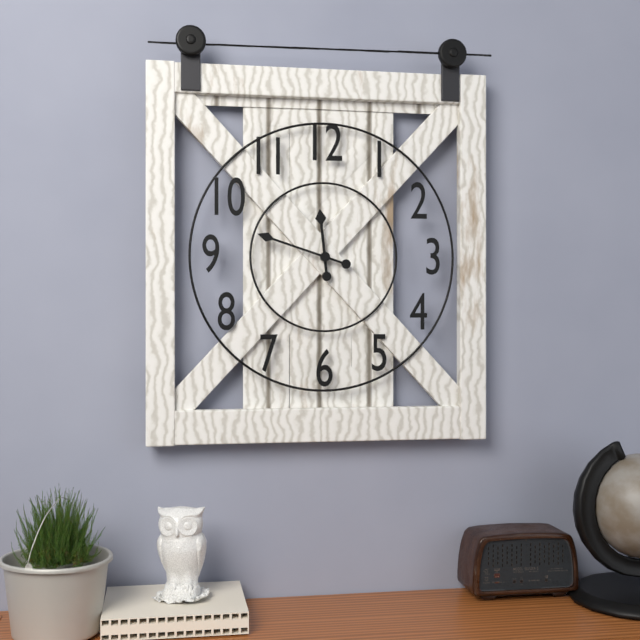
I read 11.48
